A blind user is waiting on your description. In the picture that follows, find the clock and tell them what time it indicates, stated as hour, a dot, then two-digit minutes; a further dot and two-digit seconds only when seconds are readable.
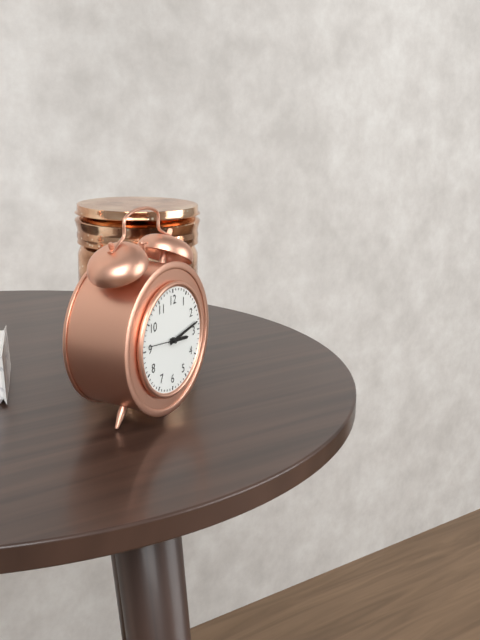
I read 3.13
